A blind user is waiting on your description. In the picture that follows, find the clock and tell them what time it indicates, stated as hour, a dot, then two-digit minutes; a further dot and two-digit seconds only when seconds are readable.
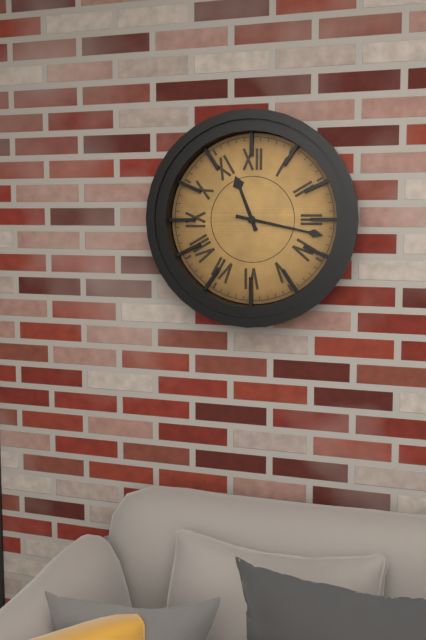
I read 11.17
